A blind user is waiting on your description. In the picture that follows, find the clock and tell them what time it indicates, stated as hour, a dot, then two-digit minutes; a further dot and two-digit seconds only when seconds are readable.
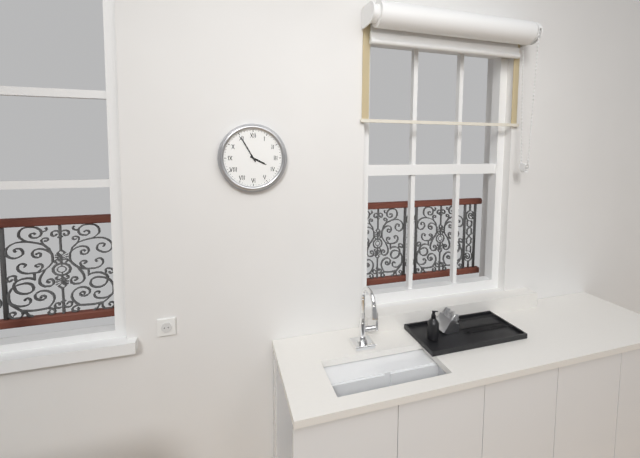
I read 3.55
